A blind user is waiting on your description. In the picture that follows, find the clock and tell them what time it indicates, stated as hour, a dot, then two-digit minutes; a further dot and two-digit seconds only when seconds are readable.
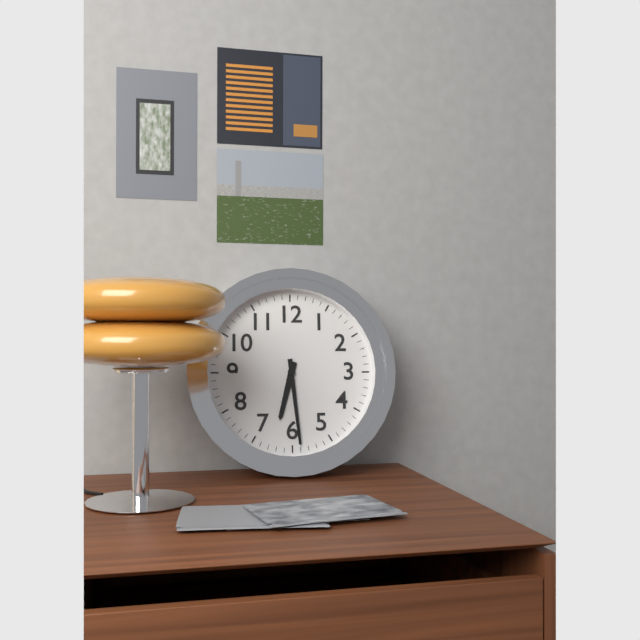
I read 6.29
